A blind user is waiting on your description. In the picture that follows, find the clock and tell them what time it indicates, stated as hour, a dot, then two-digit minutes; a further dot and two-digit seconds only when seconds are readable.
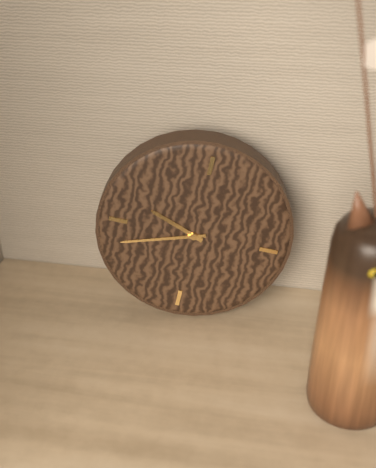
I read 9.42
